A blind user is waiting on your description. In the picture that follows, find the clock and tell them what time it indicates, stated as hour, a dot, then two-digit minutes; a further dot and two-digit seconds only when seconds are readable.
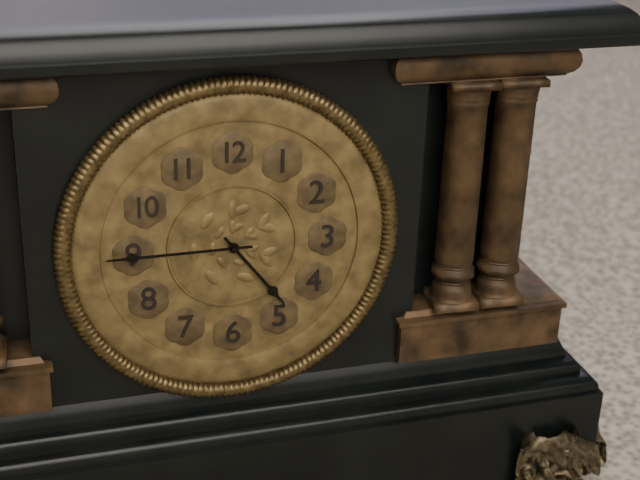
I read 4.45
